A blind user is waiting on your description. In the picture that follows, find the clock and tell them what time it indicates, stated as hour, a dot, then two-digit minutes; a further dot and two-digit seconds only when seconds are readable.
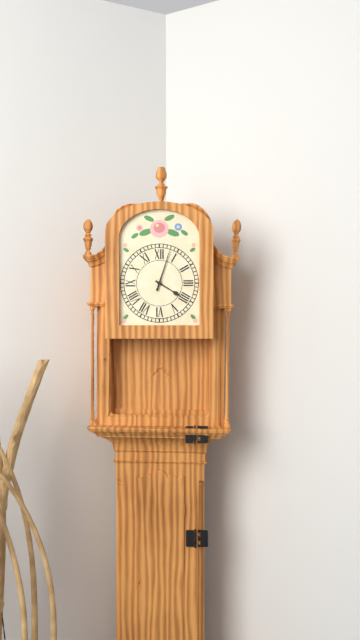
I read 4.03
